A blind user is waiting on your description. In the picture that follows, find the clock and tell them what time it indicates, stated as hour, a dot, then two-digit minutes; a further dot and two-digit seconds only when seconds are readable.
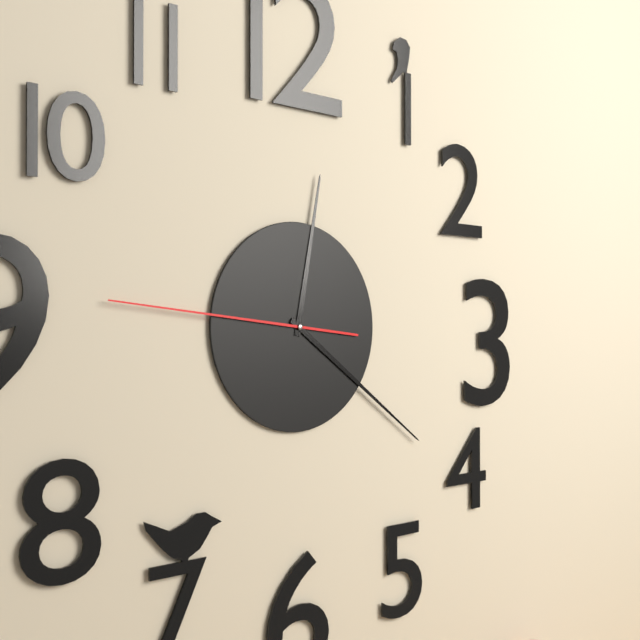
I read 12.21.46
